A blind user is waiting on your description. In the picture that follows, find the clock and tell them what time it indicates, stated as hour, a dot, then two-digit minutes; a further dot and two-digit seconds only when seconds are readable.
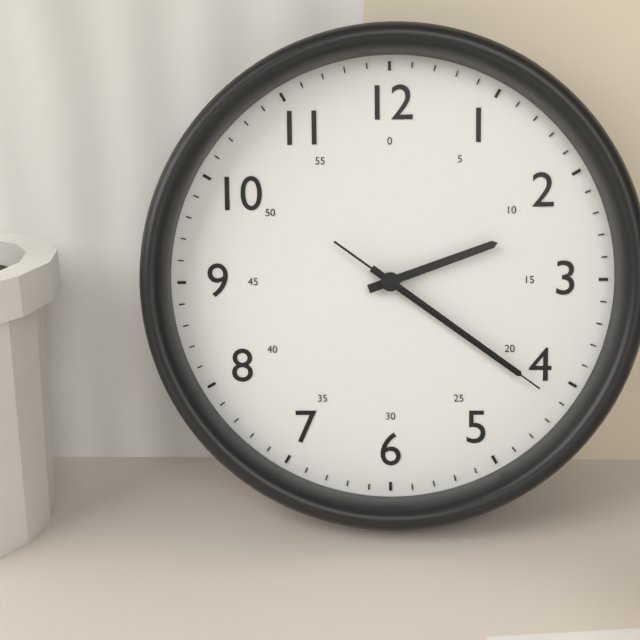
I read 2.21.21
